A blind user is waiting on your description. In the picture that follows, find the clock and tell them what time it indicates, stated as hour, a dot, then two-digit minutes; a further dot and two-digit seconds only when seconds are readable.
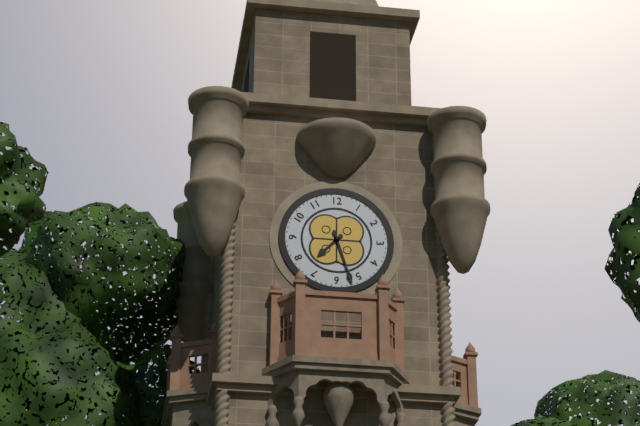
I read 7.27
